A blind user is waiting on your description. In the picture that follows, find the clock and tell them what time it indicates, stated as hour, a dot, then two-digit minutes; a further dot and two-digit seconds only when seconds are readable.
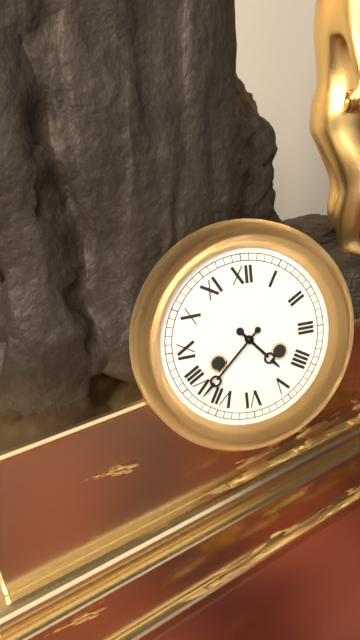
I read 4.38
